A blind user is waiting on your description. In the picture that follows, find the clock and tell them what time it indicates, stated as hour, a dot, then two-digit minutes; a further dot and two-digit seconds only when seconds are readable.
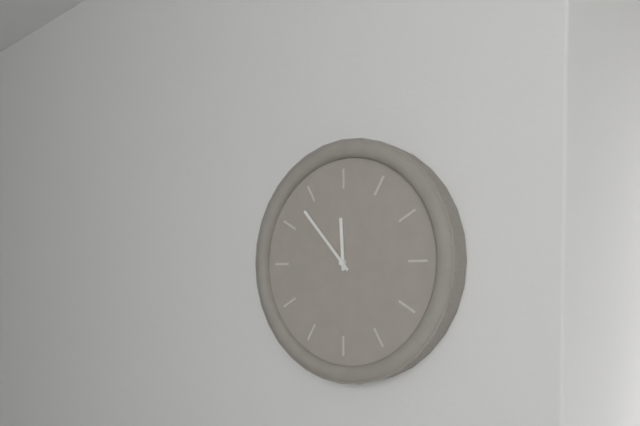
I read 11.53
